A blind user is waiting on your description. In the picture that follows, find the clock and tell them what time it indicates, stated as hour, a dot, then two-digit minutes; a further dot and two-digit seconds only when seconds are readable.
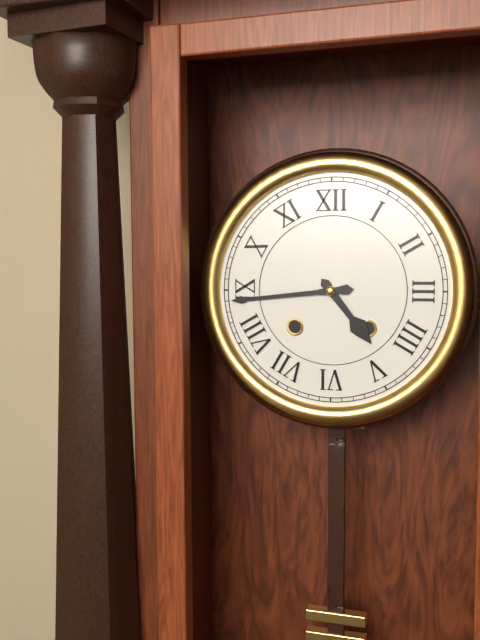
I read 4.44
